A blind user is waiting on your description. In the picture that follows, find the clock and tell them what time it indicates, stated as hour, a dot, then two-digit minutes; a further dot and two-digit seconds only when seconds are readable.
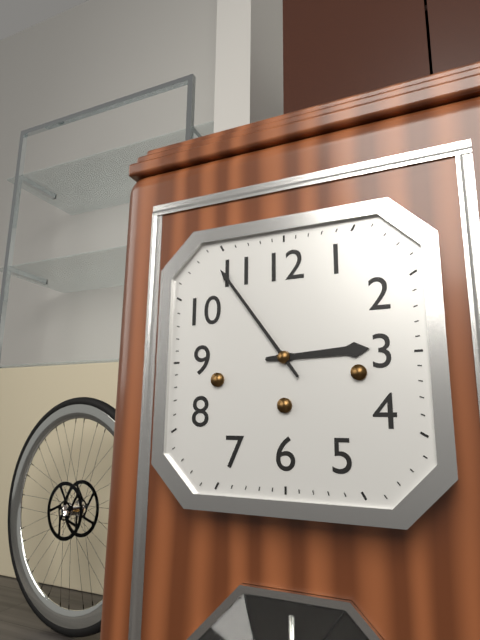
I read 2.54
